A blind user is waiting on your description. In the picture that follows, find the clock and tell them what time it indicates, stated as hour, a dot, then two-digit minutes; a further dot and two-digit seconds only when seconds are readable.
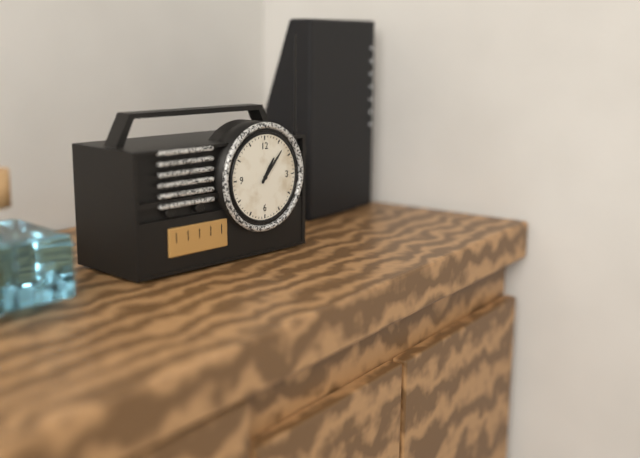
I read 1.07
